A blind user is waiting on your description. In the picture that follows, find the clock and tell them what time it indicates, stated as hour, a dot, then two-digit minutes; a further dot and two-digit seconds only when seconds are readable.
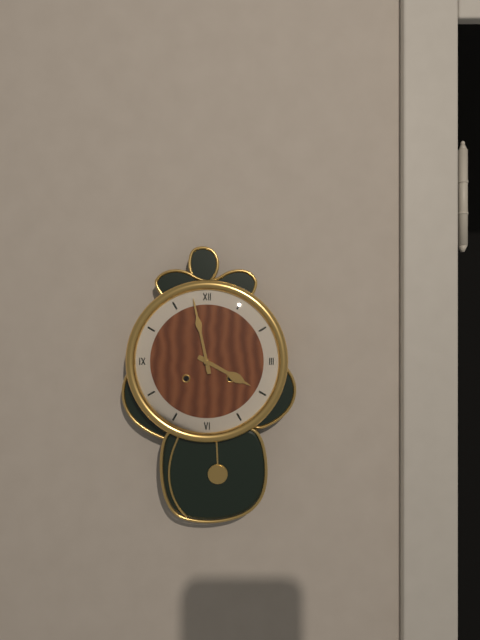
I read 3.58
